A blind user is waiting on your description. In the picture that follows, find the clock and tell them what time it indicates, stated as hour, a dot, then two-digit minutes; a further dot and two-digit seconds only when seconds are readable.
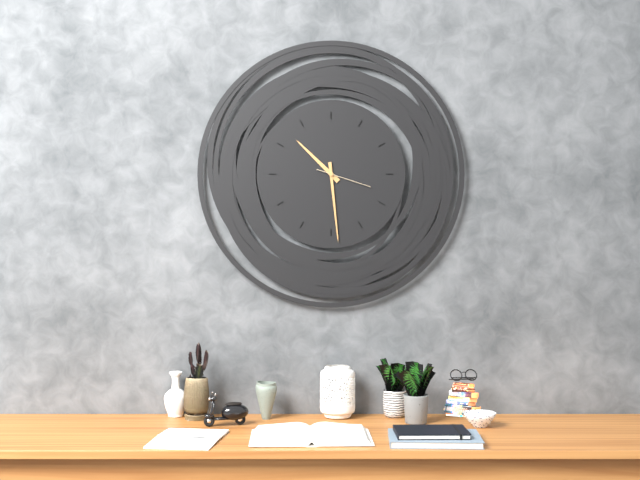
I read 10.29.18
